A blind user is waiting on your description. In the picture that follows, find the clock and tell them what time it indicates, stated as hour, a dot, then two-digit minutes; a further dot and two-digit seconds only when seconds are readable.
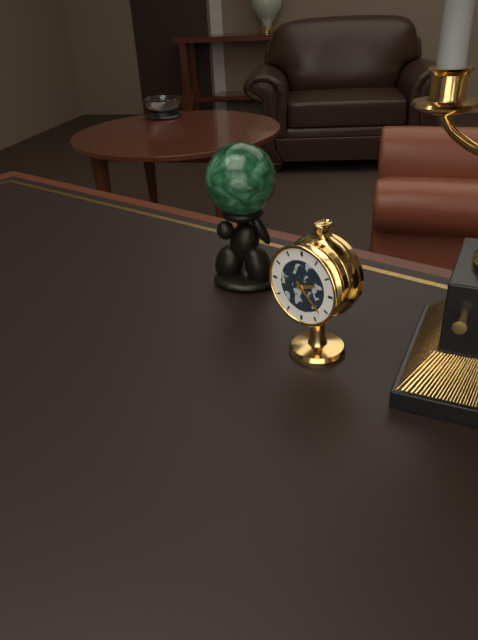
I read 2.22
